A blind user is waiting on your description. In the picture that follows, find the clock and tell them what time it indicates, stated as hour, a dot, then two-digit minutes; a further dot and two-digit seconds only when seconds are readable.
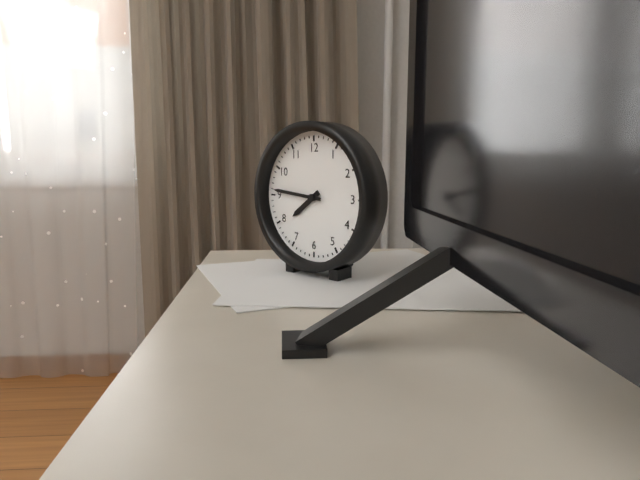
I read 7.46
